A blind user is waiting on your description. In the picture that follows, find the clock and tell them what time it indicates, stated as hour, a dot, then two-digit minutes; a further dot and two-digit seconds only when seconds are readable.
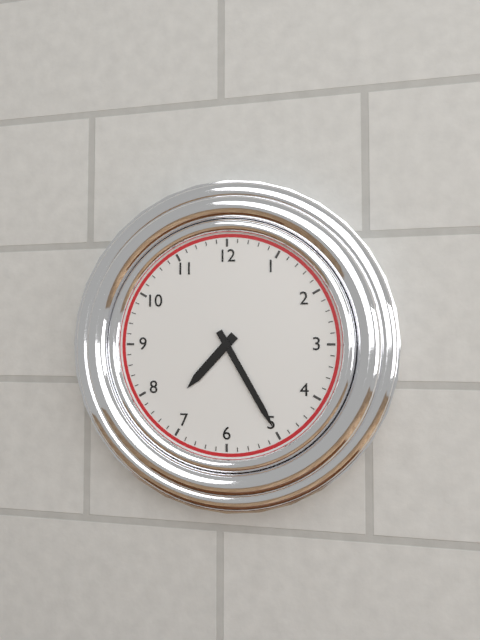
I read 7.25
